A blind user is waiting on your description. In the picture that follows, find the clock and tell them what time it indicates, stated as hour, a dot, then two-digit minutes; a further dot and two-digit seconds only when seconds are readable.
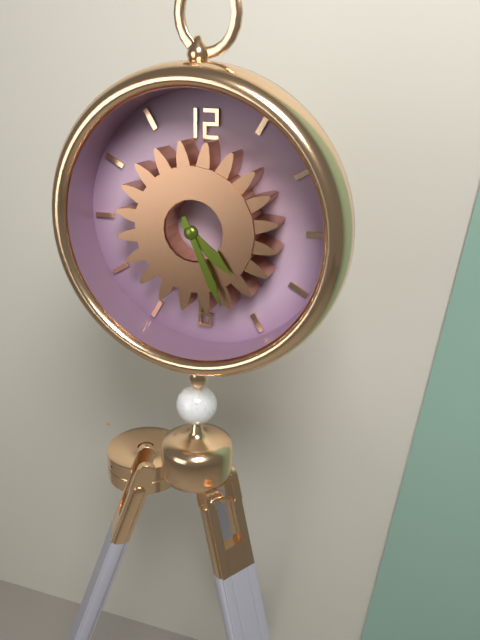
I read 4.26
